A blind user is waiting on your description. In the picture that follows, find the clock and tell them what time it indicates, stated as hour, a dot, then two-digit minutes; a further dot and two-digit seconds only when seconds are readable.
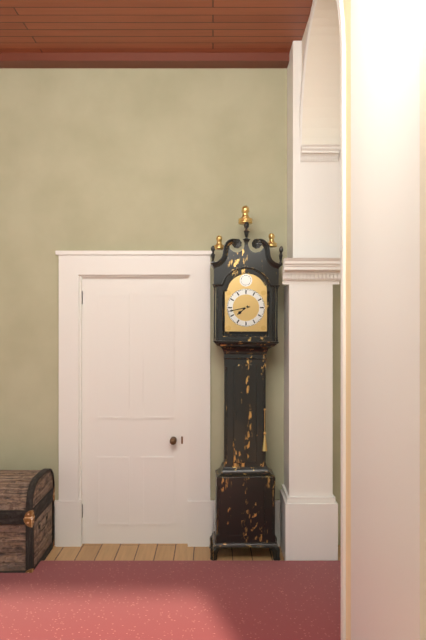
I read 7.43
